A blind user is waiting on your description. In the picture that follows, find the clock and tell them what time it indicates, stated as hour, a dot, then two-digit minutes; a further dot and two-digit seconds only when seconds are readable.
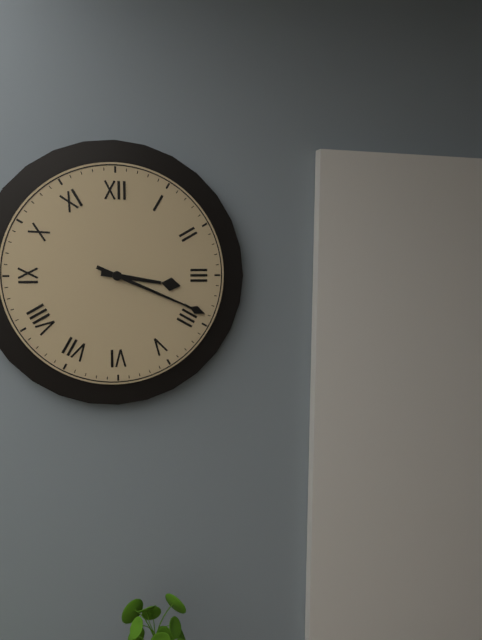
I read 3.19
